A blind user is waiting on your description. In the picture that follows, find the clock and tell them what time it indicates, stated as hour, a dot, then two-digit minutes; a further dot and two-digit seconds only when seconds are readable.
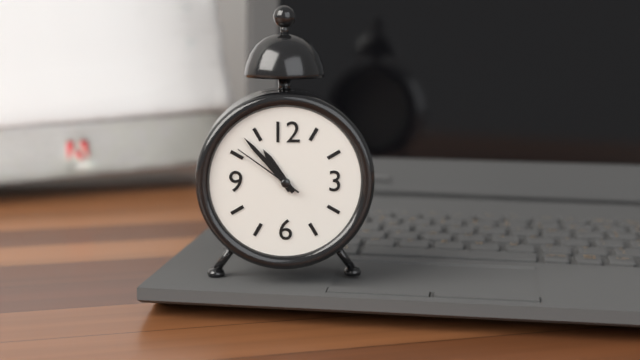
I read 10.53.51
